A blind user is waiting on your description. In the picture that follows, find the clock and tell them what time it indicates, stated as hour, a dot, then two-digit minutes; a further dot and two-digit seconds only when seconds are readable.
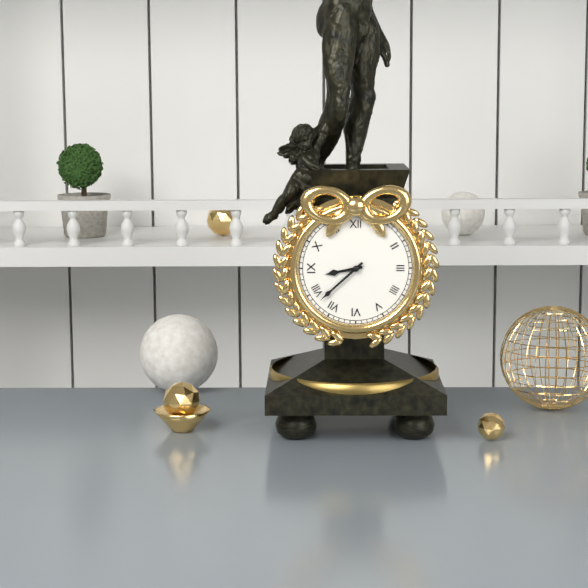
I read 8.38
